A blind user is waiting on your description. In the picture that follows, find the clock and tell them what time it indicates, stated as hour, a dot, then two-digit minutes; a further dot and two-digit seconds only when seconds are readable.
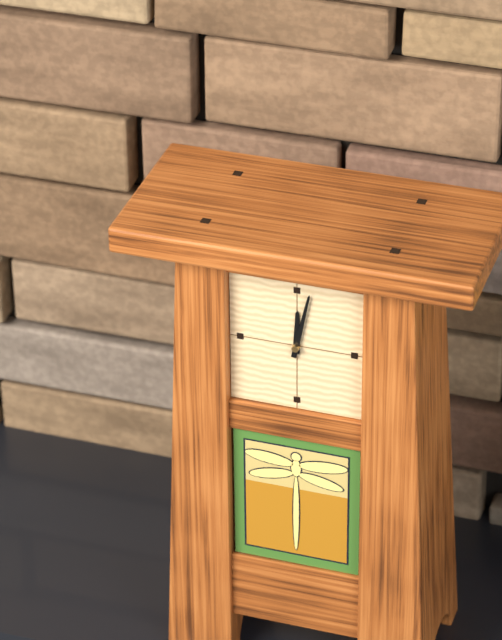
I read 12.02
